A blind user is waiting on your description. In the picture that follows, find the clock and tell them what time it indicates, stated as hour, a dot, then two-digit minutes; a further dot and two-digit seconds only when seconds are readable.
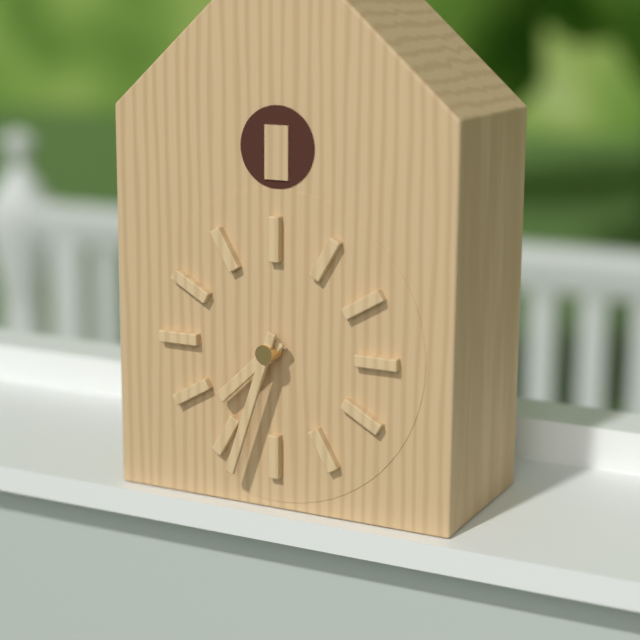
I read 7.33
